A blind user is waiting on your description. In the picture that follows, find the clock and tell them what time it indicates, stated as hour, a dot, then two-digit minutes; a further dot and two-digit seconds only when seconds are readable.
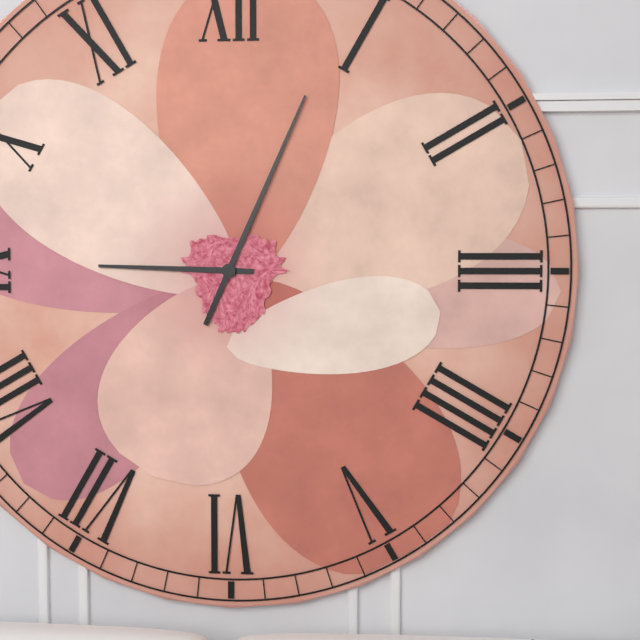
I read 9.04
